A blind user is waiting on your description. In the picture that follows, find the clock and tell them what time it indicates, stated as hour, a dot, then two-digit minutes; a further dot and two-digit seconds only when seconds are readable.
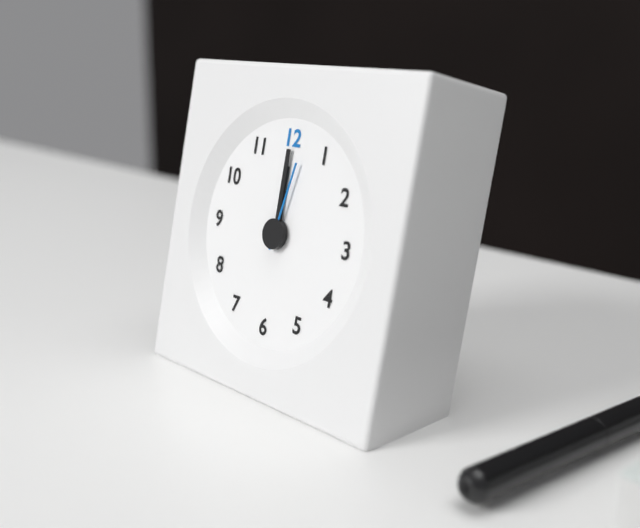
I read 12.00.02
